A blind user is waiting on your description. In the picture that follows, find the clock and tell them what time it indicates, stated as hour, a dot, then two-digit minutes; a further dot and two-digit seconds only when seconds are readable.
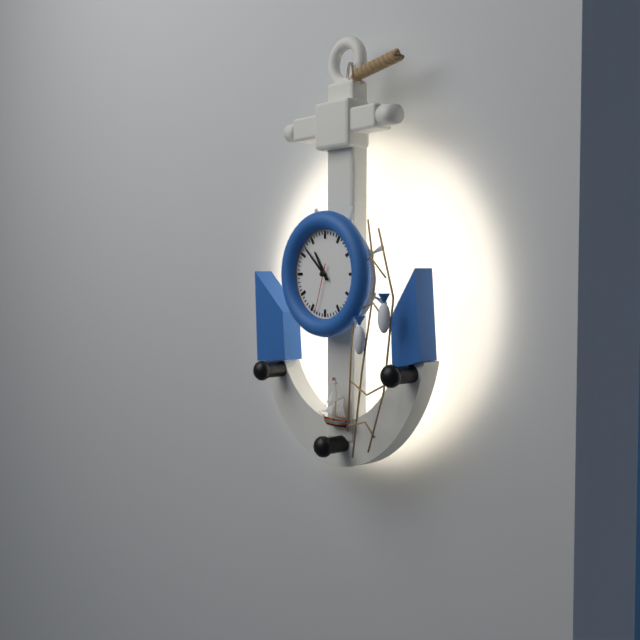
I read 10.52.33
